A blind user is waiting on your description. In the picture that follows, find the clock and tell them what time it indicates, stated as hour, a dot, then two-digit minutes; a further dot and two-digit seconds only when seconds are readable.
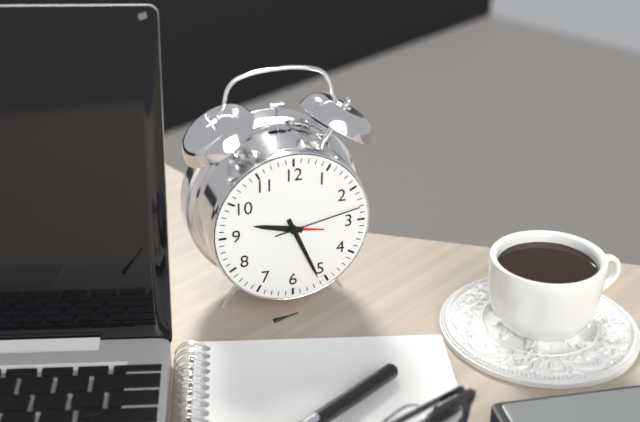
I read 9.26.13
